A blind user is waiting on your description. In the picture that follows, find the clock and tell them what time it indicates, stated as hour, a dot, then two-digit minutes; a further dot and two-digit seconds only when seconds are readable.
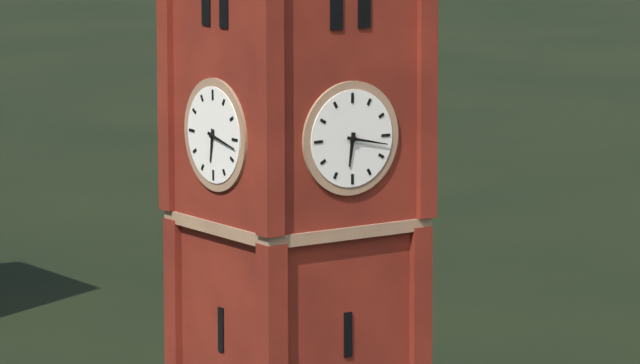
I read 6.17
